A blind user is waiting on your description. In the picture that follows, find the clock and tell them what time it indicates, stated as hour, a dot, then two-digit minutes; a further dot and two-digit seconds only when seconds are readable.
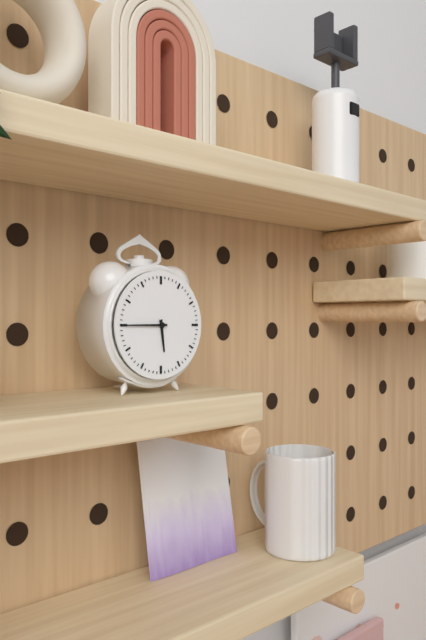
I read 5.45
